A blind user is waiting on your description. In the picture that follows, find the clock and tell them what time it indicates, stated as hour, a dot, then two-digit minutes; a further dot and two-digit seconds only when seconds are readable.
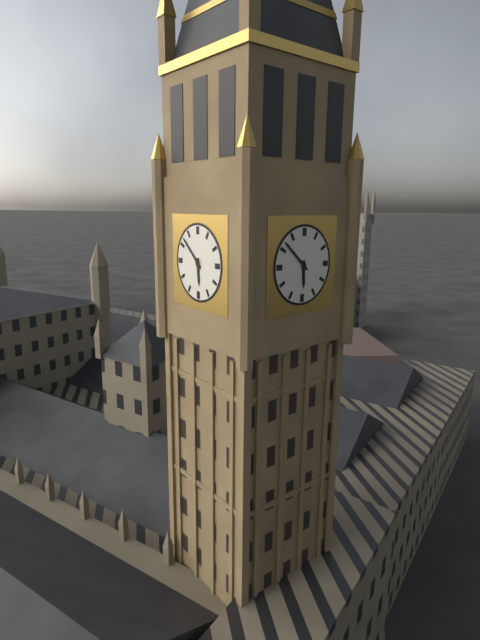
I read 5.52
